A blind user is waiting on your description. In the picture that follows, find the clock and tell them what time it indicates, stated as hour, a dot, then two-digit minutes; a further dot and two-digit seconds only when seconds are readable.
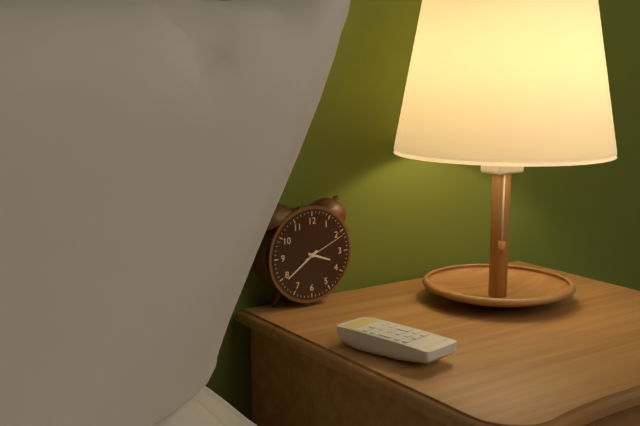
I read 3.39
